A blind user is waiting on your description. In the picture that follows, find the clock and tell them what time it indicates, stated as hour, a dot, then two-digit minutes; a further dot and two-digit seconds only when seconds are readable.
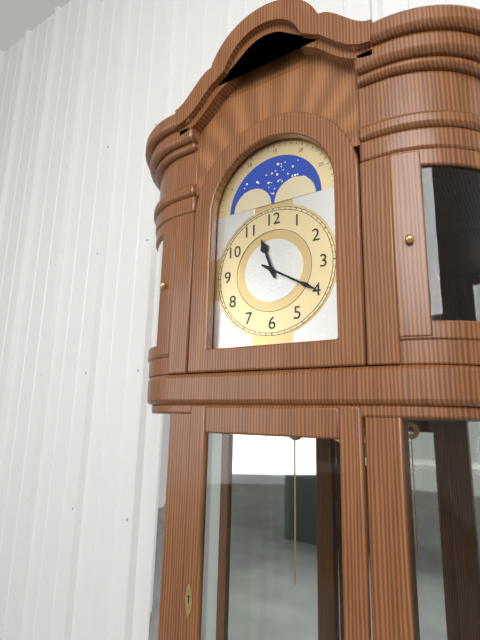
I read 11.20
